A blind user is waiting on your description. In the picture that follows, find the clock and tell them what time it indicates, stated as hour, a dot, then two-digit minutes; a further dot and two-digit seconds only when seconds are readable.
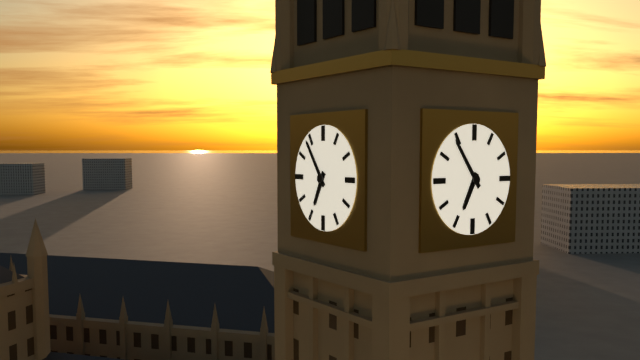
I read 6.54
